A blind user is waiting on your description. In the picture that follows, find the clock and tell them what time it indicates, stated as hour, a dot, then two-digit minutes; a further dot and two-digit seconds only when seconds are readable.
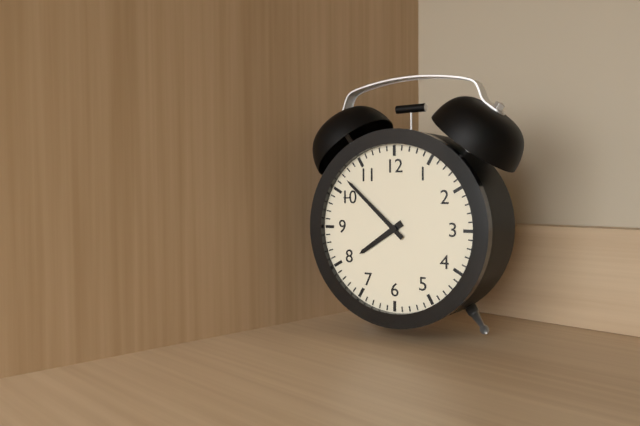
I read 7.52
